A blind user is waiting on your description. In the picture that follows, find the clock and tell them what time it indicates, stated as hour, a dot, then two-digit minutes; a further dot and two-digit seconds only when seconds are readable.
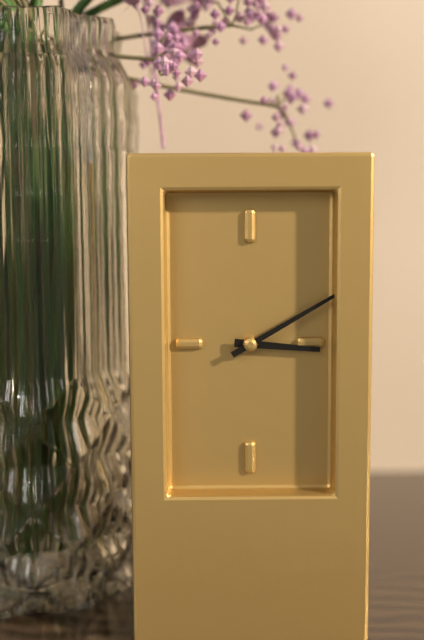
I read 3.10
